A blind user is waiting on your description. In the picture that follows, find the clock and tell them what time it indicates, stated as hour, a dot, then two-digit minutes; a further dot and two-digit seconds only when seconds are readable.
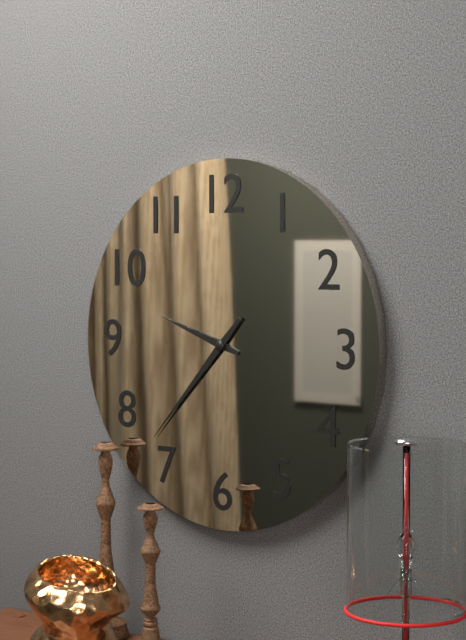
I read 9.37
